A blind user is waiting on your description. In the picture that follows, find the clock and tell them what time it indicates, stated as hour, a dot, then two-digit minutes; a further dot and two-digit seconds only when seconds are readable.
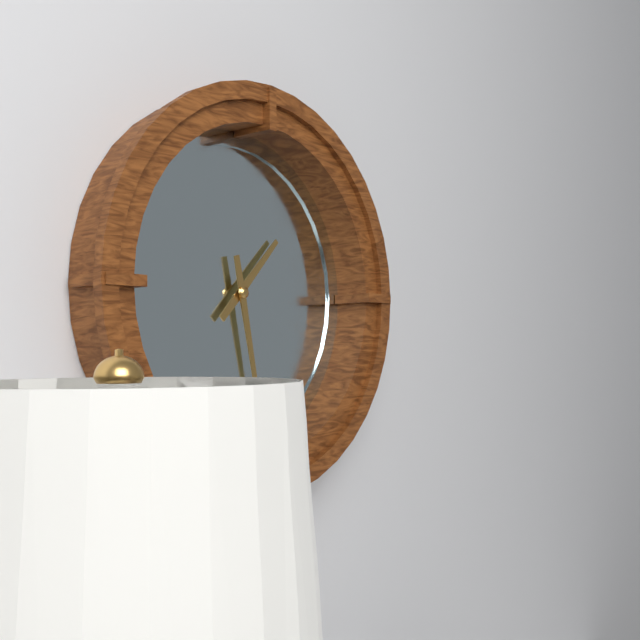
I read 1.28
